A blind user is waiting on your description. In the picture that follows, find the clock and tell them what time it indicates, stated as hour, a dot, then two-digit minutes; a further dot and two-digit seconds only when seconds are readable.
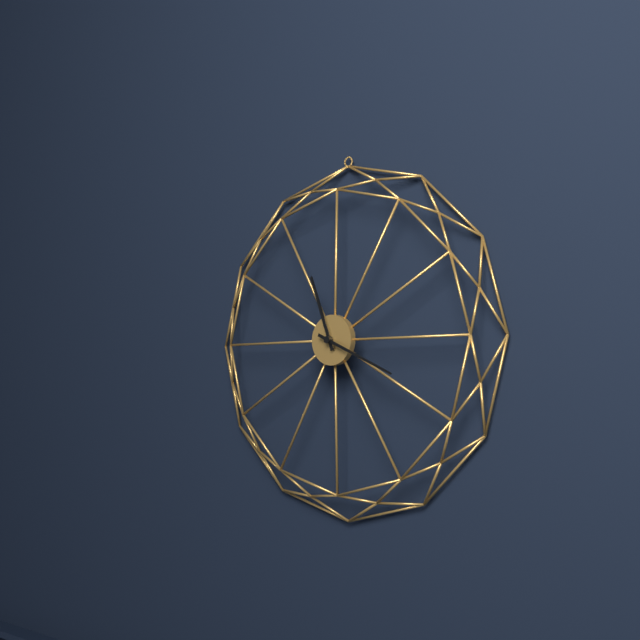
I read 11.19
